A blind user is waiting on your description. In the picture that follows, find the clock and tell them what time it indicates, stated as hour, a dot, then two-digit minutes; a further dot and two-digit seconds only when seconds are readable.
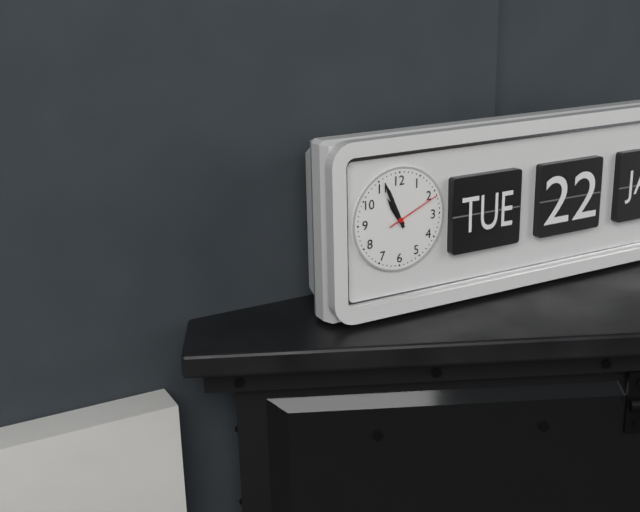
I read 10.56.11
